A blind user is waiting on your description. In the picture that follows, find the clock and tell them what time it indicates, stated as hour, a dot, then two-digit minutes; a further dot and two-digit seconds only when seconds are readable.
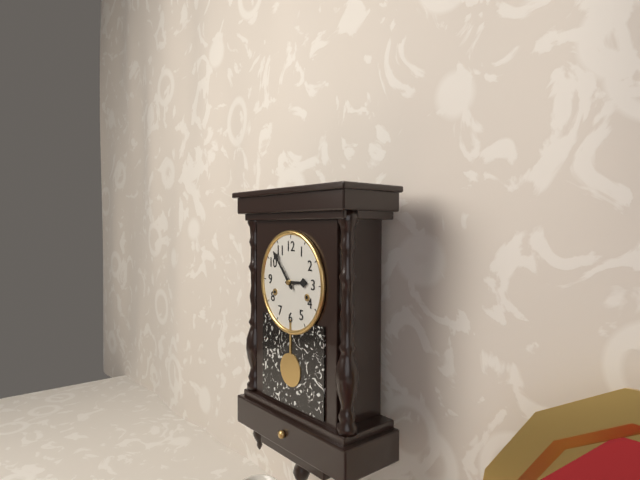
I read 2.53
